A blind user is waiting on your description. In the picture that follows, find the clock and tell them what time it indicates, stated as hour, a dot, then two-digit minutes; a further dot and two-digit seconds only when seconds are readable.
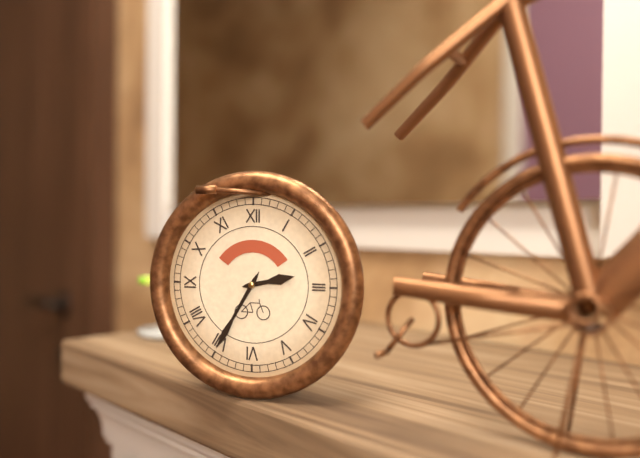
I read 2.35
